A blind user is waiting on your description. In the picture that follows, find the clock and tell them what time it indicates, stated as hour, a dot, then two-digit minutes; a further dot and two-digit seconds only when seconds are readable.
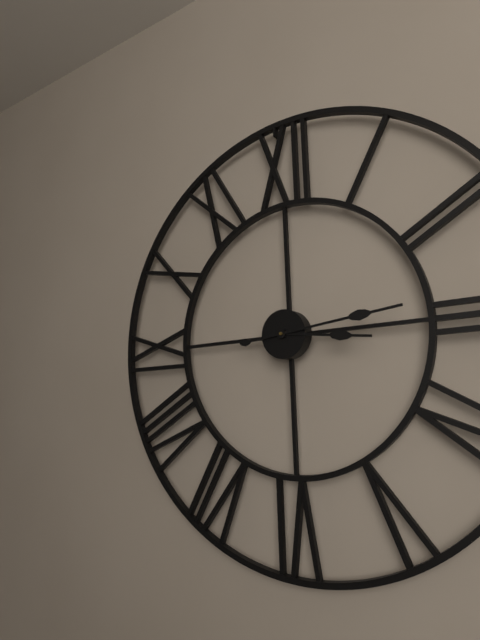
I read 3.14
